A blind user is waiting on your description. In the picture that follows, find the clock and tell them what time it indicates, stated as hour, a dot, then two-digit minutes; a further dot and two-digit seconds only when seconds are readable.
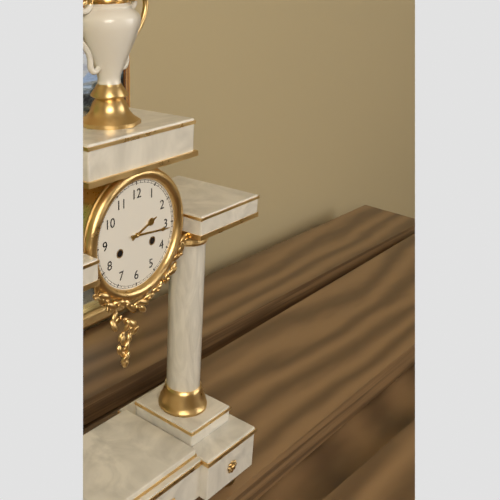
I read 2.16
